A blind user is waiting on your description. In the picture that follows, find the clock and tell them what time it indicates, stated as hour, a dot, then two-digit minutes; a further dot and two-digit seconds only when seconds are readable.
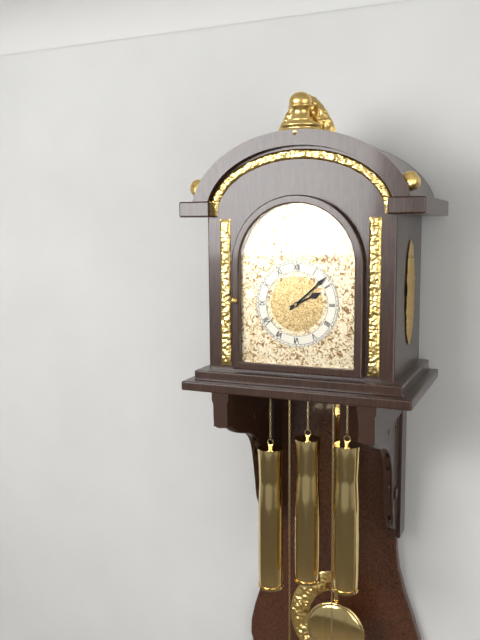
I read 2.08
